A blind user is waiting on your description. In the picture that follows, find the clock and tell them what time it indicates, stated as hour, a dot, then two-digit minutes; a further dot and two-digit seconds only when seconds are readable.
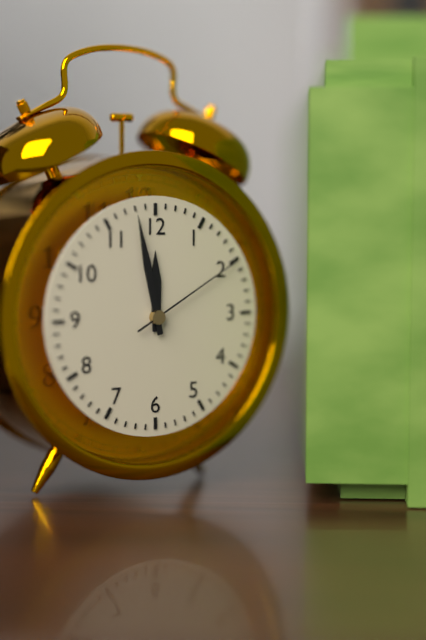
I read 11.58.10
